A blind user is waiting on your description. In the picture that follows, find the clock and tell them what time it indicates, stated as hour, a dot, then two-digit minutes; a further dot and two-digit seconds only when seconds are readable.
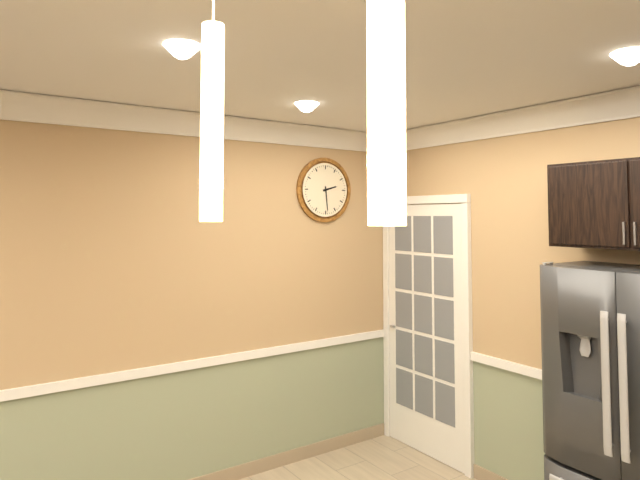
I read 2.29
